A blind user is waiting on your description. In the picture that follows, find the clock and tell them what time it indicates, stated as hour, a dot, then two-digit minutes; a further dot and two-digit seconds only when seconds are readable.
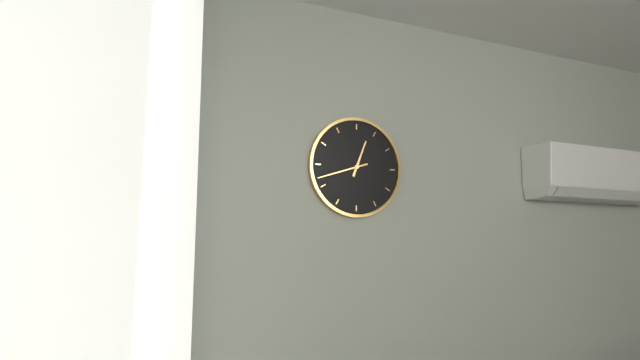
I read 12.42
